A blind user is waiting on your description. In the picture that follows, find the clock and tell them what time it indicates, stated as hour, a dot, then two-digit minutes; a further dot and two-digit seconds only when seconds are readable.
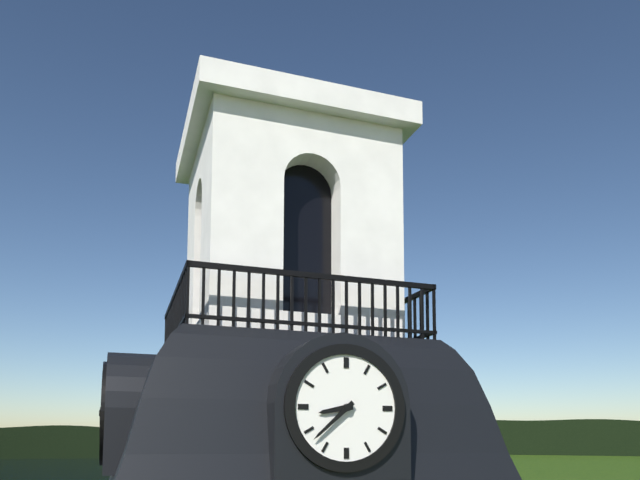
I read 8.38
